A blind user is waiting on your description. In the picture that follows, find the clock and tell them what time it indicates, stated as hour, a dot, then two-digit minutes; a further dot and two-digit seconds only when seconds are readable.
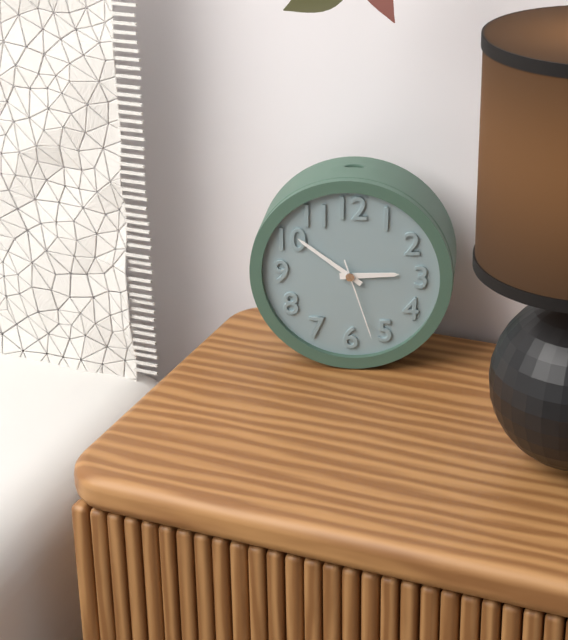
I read 2.51.27
